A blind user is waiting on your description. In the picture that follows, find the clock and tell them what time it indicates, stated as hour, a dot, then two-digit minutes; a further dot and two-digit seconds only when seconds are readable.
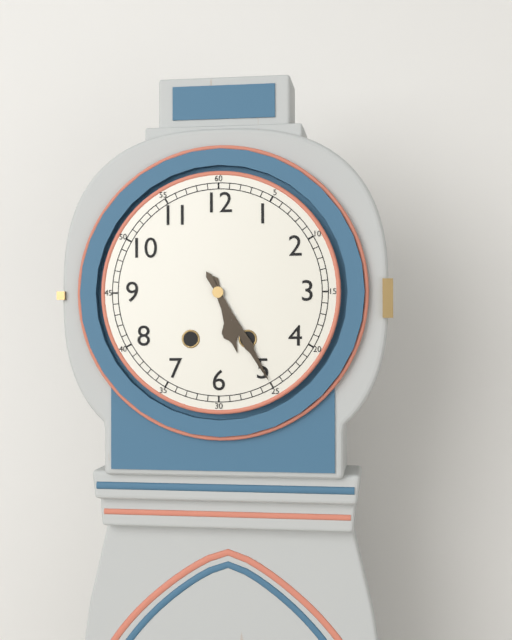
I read 5.25
